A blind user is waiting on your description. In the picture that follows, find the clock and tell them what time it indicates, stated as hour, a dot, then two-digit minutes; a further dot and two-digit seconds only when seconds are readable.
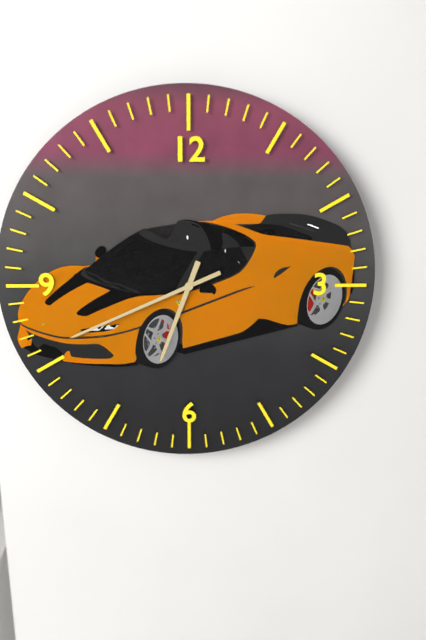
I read 6.41
